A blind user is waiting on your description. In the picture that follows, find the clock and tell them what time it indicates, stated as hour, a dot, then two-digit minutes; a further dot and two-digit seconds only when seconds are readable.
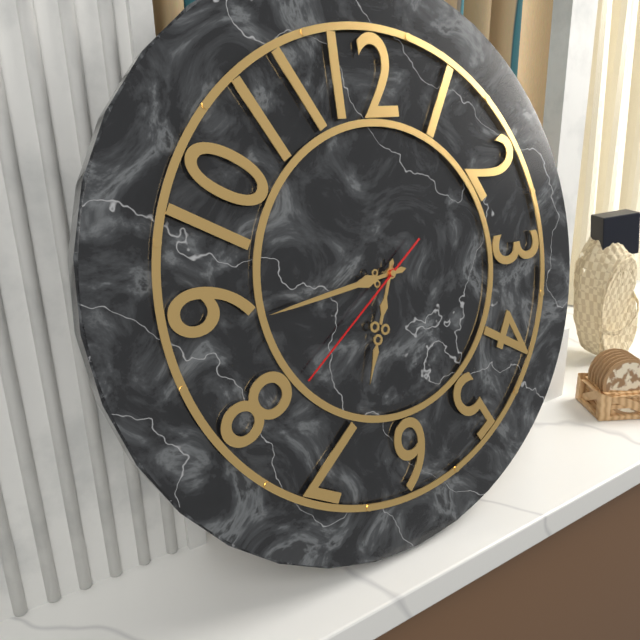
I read 6.44.39
